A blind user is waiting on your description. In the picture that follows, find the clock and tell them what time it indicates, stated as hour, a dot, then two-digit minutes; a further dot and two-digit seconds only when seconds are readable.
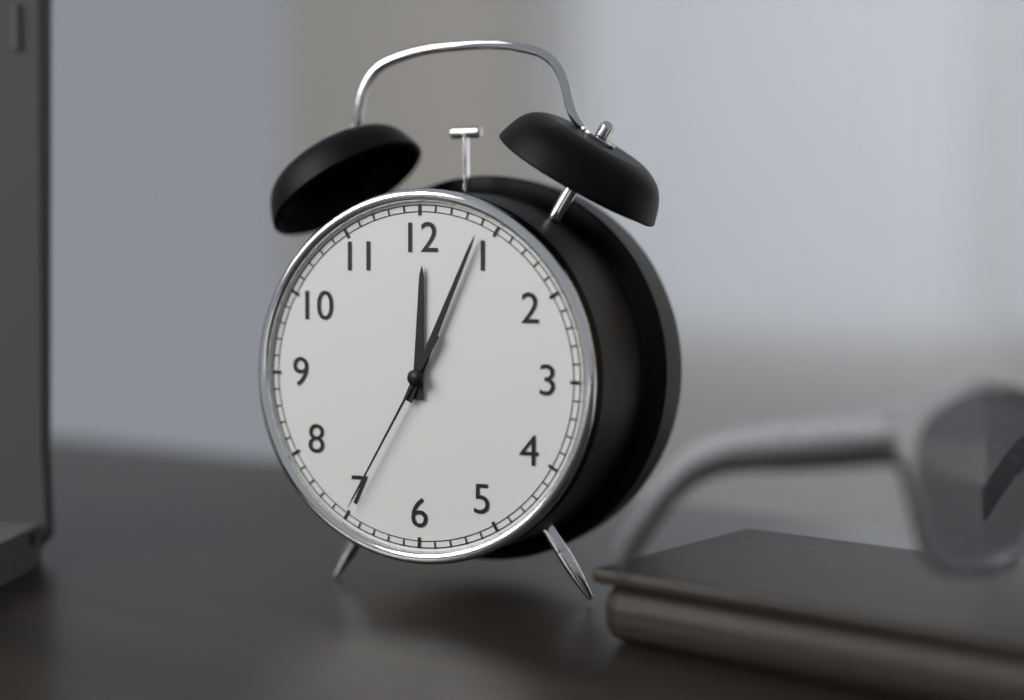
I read 12.04.35
